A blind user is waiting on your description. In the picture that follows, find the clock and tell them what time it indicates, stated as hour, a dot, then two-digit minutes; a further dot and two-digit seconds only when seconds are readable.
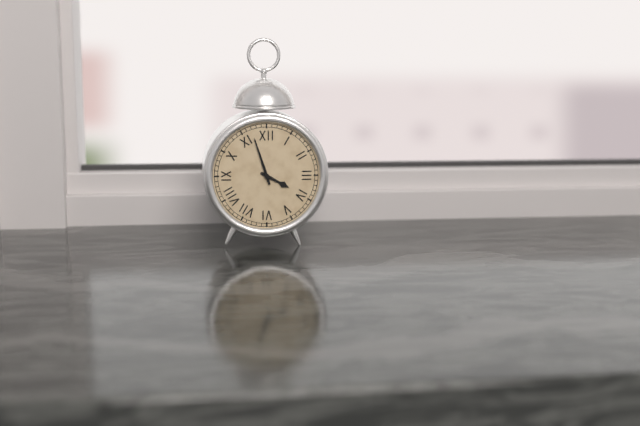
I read 3.57
